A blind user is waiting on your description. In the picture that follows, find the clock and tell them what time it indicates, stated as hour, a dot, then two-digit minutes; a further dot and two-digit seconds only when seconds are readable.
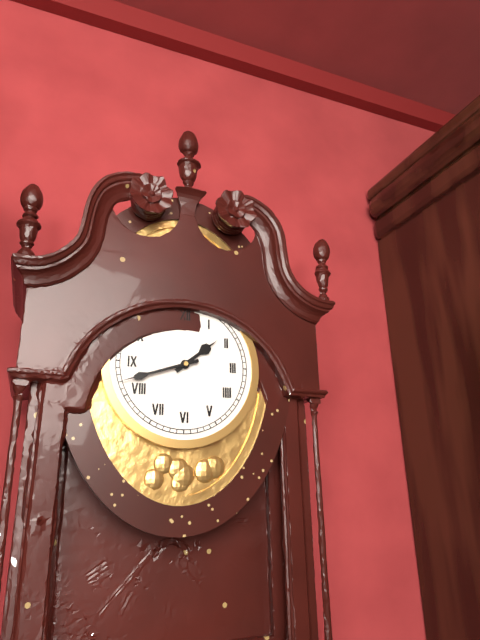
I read 1.42
